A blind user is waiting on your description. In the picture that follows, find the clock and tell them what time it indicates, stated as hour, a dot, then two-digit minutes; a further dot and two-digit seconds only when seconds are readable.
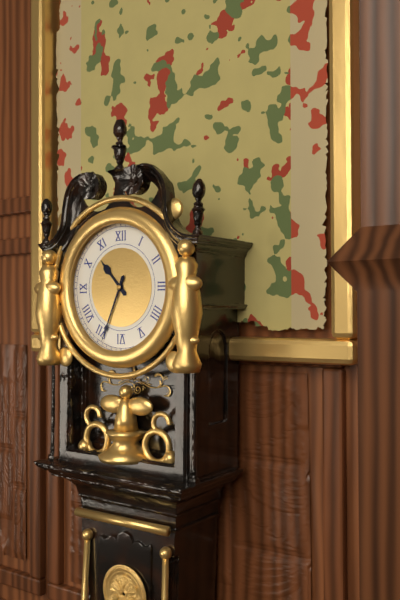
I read 10.34
